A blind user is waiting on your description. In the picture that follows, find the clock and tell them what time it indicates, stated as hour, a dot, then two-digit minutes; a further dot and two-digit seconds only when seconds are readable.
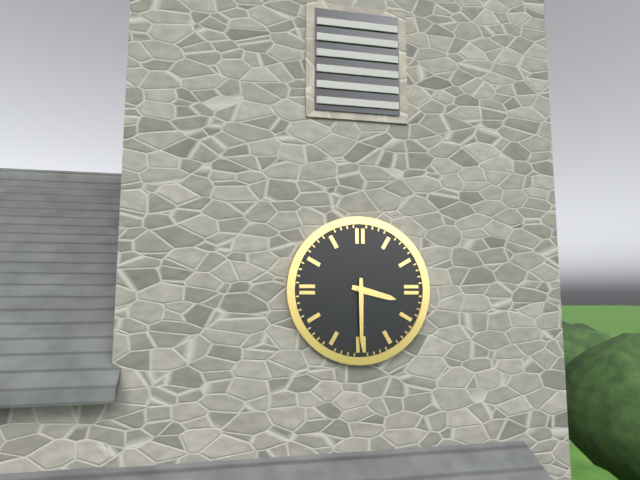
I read 3.30
